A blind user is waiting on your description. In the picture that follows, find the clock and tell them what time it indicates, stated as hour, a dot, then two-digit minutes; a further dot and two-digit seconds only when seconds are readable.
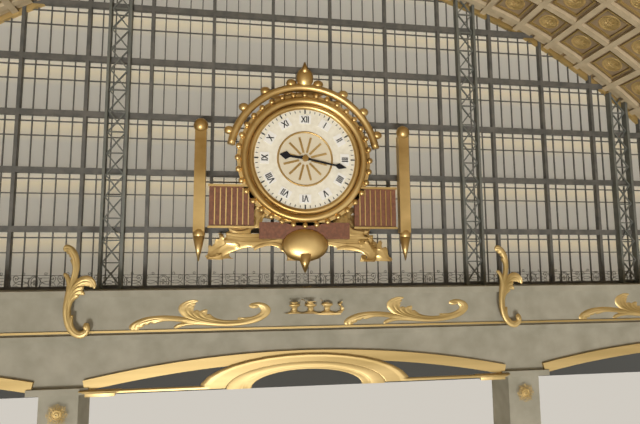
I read 9.17
